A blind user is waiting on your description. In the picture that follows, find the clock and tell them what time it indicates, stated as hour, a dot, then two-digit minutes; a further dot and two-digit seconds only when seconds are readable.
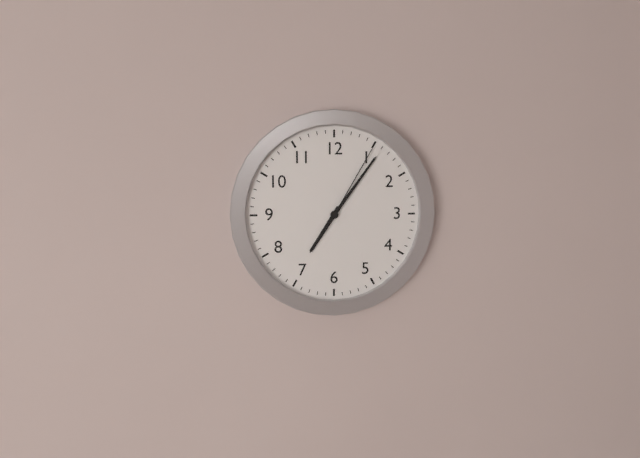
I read 7.06.05
